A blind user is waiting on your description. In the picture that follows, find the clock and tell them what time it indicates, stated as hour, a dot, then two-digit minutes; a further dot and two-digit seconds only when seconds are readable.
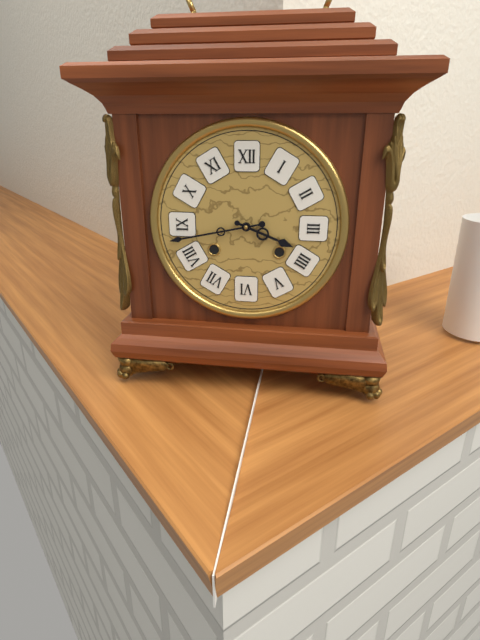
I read 3.43
